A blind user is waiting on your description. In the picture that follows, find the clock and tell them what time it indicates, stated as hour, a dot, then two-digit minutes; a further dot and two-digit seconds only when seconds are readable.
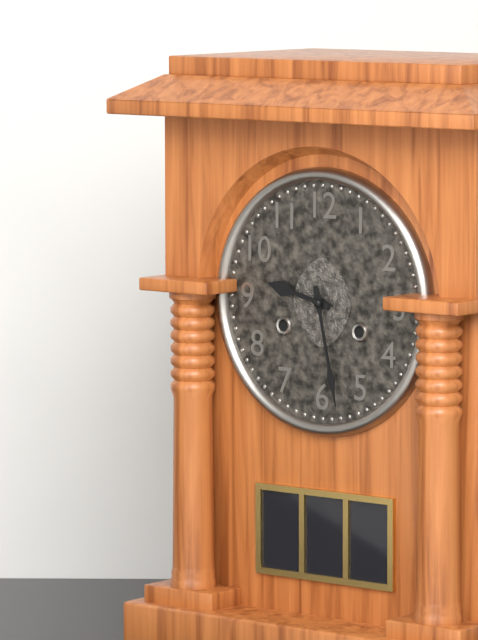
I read 9.28
